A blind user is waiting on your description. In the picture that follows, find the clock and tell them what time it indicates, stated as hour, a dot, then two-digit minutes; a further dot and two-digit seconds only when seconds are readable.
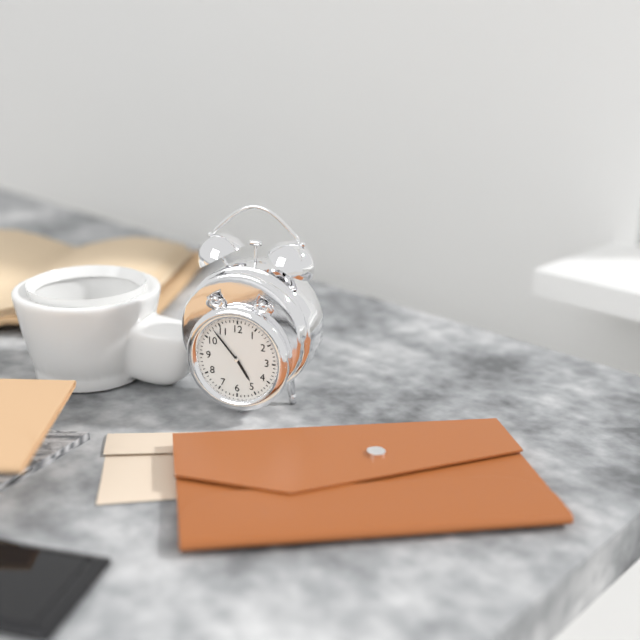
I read 4.53
